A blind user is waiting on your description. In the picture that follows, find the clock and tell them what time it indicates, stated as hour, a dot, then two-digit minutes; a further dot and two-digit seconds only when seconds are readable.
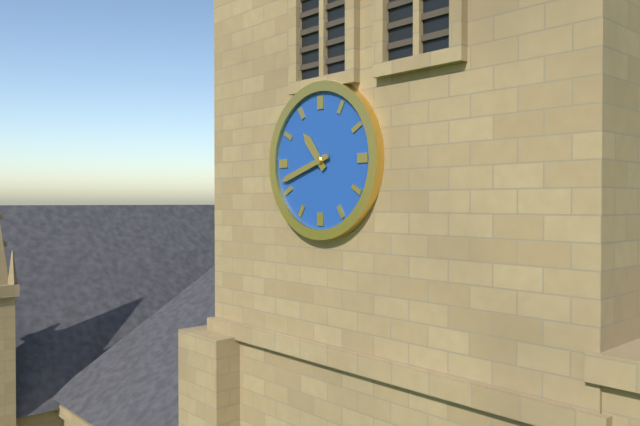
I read 10.42
